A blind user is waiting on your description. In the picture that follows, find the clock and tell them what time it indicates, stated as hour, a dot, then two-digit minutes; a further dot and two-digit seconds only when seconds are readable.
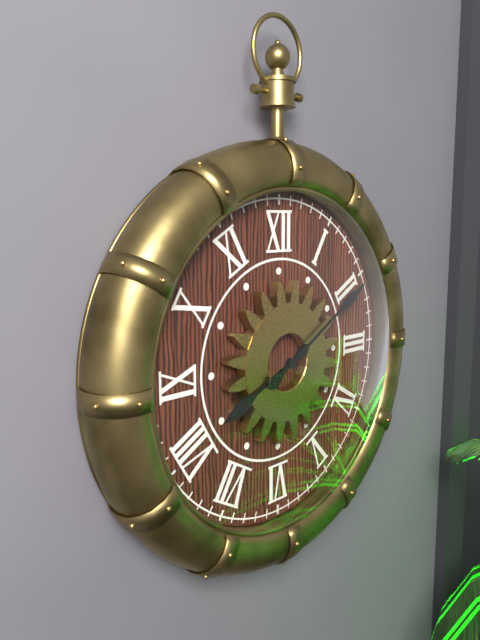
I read 8.10
